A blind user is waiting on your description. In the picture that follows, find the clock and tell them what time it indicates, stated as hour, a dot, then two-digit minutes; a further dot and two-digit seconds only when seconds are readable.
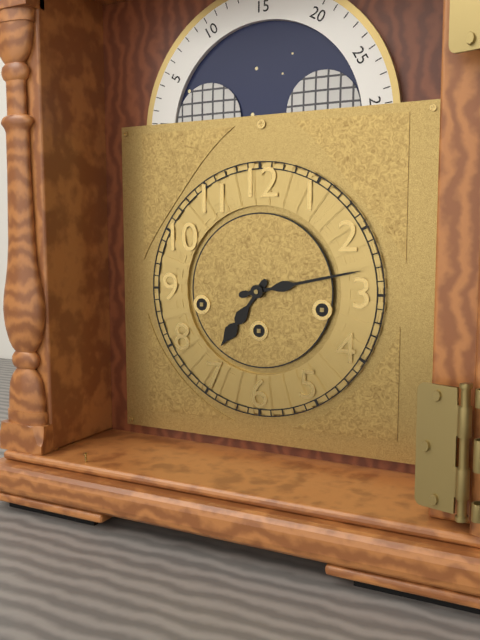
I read 7.13
